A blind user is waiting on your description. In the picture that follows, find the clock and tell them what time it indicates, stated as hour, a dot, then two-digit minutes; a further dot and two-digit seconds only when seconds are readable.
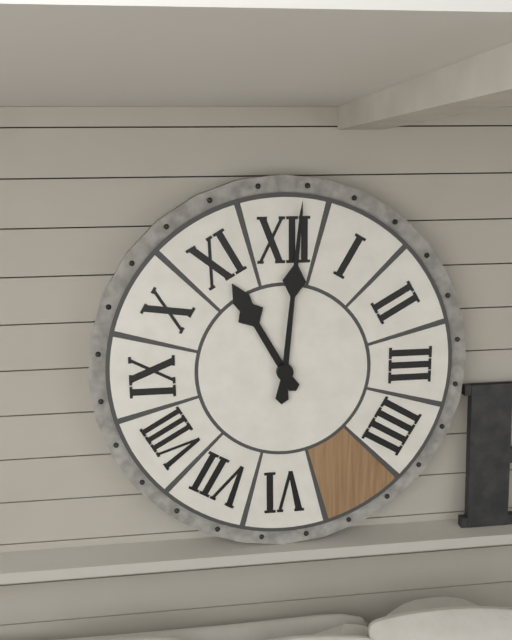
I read 11.01
